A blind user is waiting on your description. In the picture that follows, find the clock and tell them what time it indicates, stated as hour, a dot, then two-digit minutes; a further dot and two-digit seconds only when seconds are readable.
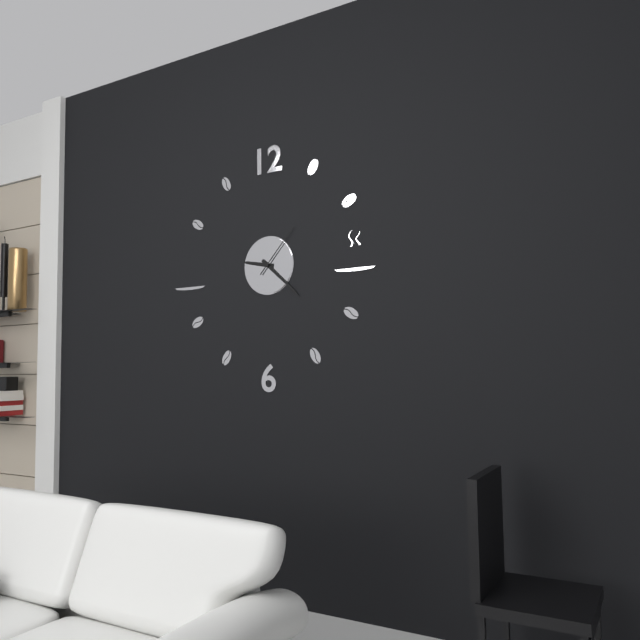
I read 9.22.07
